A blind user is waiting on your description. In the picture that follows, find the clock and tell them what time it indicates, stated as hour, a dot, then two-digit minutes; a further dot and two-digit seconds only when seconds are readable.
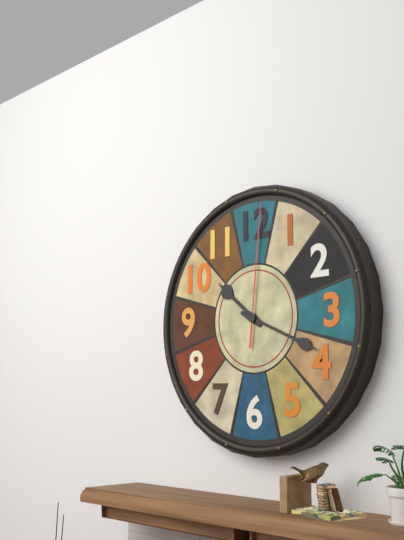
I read 10.19.01
